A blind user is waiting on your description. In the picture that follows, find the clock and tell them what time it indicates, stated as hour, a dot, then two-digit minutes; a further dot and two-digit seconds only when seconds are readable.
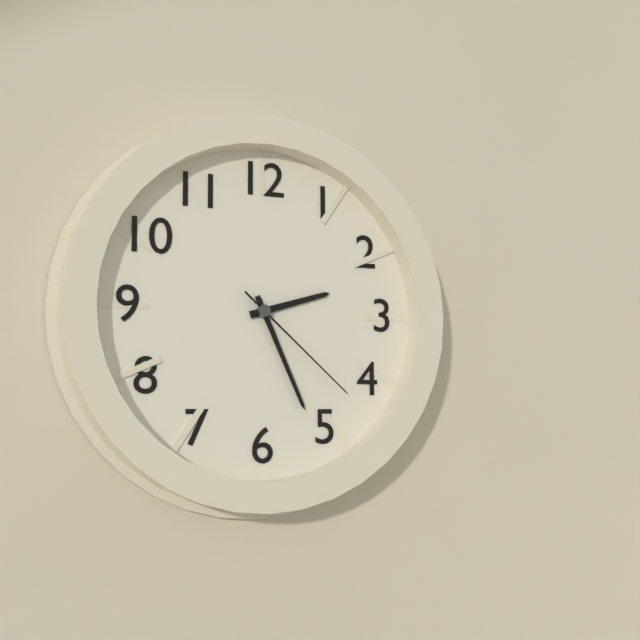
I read 2.26.22
